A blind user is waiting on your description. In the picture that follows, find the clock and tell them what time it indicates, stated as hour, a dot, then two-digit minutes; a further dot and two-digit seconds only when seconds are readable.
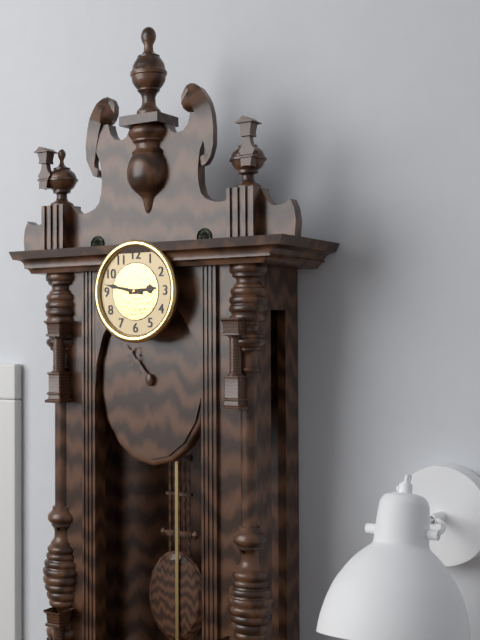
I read 2.47
